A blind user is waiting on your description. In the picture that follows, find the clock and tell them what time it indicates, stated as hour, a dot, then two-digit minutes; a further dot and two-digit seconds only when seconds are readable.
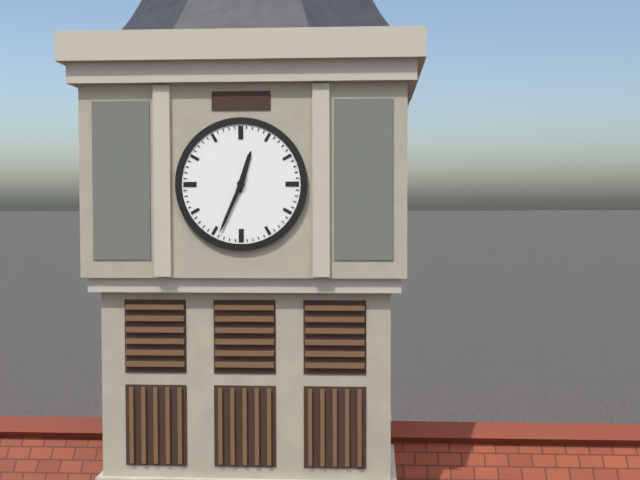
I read 12.34
